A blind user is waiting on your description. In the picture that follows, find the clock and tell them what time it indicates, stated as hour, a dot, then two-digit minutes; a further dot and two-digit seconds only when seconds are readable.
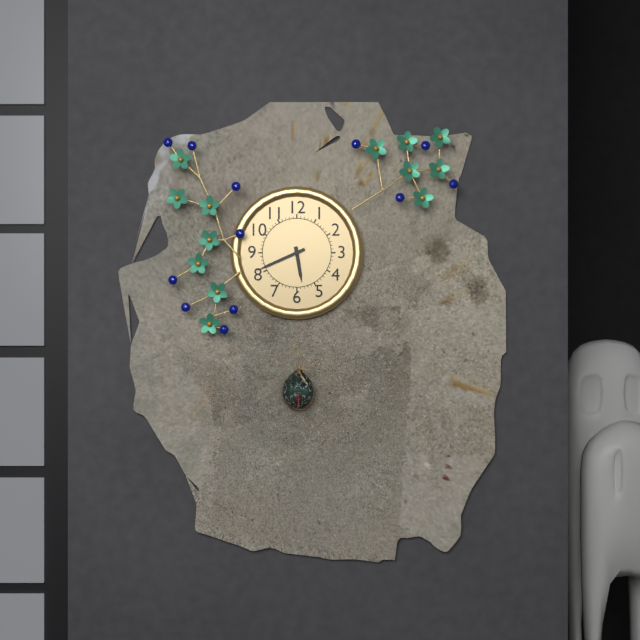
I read 5.41
